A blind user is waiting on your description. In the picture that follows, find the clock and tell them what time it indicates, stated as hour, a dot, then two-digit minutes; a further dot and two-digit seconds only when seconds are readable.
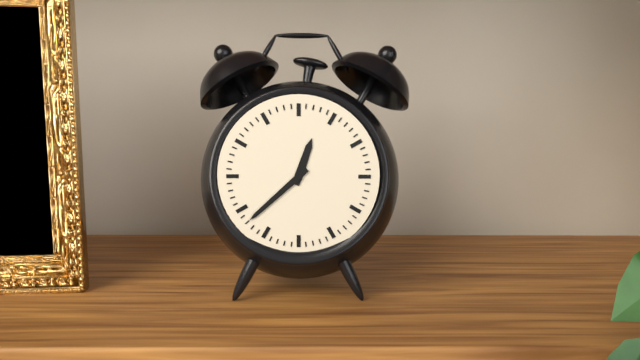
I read 12.38
